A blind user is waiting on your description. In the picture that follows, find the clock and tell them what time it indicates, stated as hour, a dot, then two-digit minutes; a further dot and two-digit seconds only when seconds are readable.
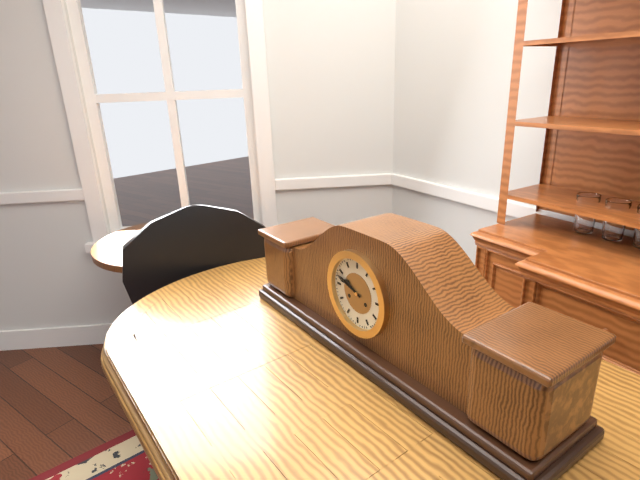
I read 9.48
